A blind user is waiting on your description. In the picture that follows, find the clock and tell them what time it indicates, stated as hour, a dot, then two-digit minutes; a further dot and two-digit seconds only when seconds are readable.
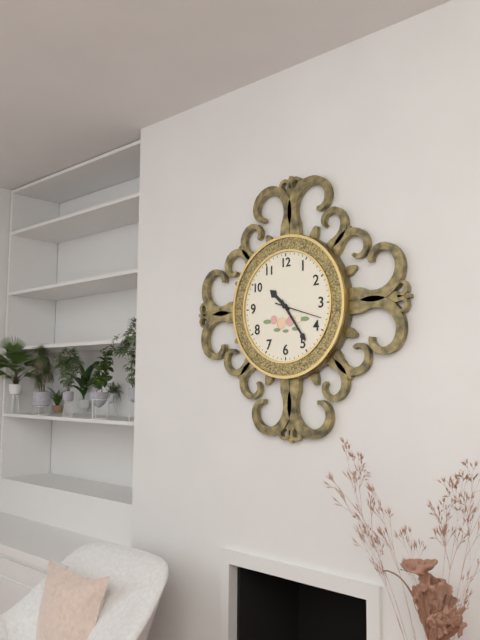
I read 10.24
